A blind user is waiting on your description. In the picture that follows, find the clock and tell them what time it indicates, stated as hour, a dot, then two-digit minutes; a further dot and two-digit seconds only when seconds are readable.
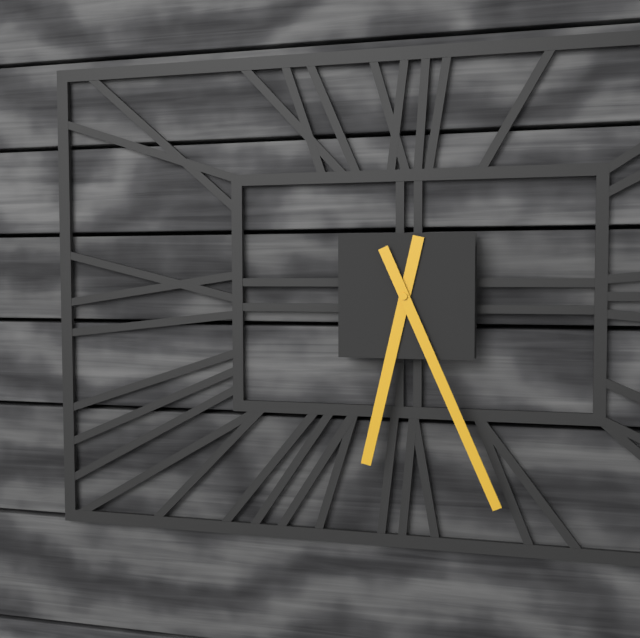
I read 6.26
